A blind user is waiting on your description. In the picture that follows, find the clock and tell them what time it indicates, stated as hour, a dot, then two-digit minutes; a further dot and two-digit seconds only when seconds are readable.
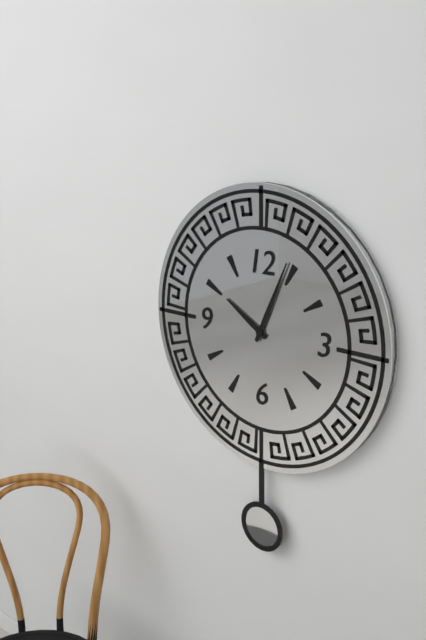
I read 10.04
